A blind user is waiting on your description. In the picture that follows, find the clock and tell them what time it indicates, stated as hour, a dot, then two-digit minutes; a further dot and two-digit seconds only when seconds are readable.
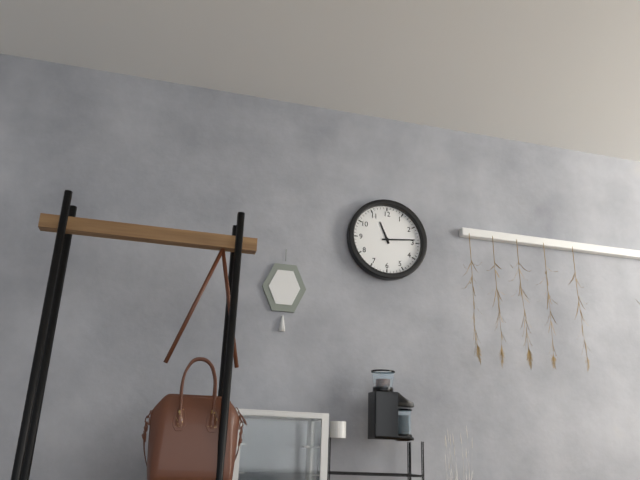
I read 11.14
